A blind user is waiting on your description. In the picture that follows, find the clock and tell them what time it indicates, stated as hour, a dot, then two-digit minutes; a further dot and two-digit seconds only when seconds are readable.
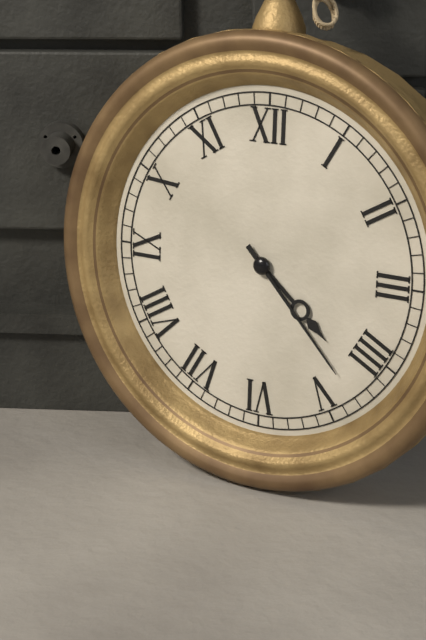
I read 4.23
